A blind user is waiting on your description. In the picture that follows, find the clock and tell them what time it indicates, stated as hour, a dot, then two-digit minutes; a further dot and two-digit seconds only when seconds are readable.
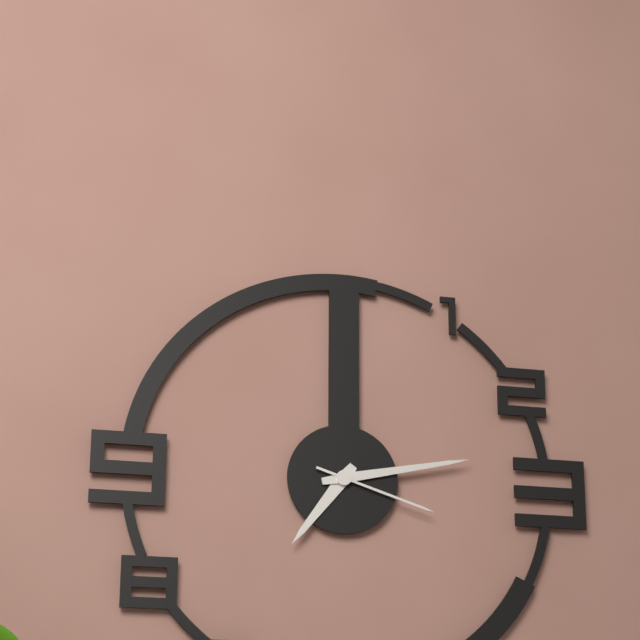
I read 7.13.18
